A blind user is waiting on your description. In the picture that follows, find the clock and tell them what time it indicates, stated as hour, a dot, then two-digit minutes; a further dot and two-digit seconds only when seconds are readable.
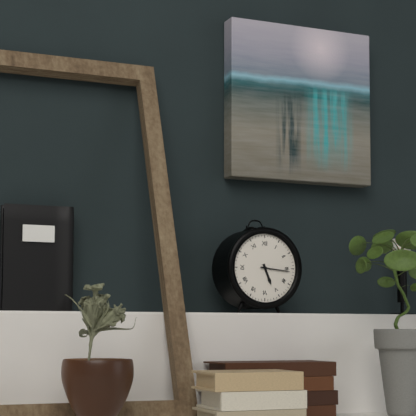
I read 5.16
